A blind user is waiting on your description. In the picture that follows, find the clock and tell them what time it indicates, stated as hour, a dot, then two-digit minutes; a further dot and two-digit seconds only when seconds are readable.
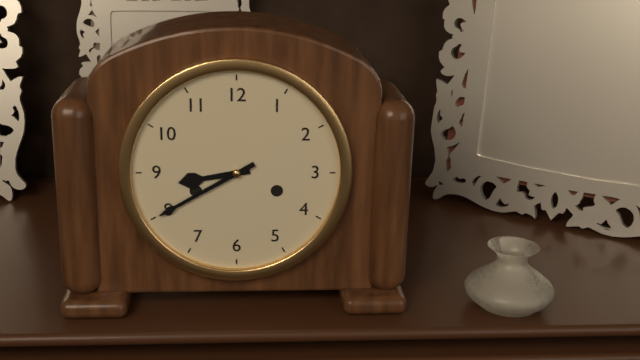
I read 8.40
